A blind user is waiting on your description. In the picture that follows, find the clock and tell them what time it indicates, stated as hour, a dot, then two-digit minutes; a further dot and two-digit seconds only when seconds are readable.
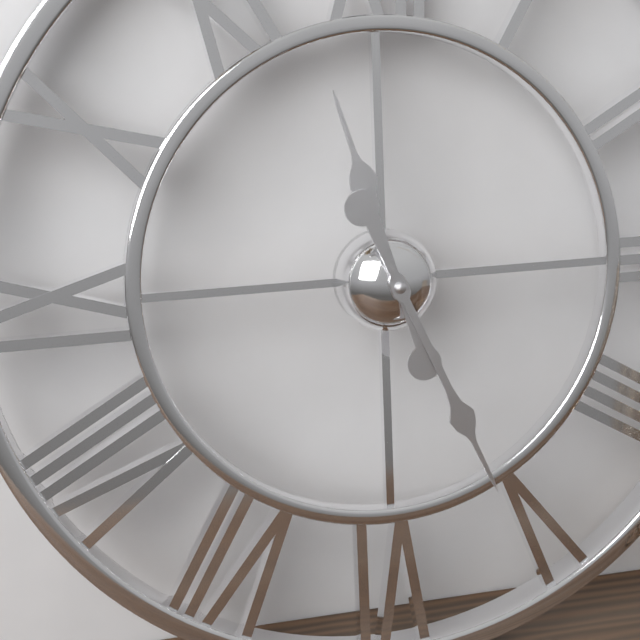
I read 11.26
